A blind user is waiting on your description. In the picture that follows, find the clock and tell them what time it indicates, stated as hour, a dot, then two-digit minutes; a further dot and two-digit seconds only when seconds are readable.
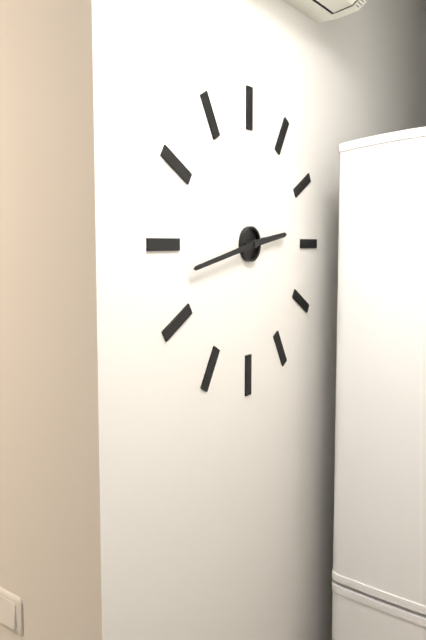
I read 2.43
